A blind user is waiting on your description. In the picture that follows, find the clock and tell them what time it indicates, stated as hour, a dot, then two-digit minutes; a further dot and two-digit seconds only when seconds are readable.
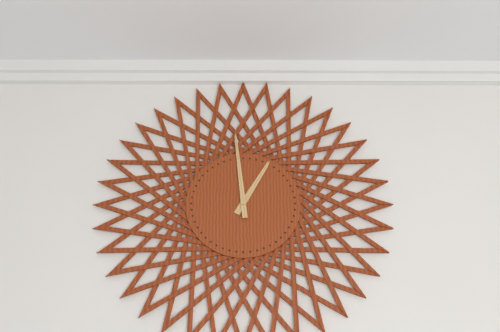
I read 12.59
